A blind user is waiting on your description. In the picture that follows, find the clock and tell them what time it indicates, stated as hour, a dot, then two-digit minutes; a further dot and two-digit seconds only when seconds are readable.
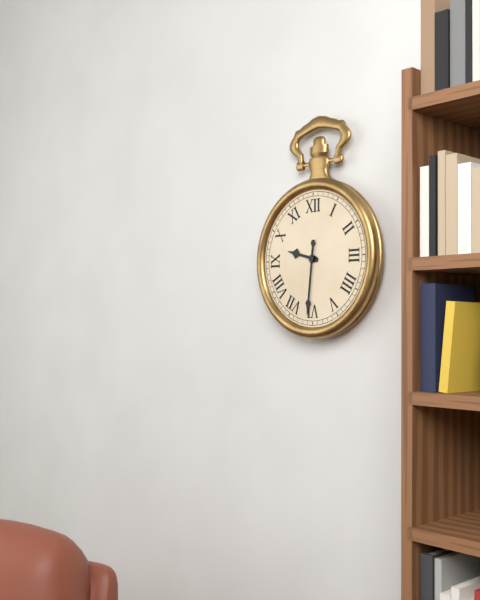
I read 9.31
